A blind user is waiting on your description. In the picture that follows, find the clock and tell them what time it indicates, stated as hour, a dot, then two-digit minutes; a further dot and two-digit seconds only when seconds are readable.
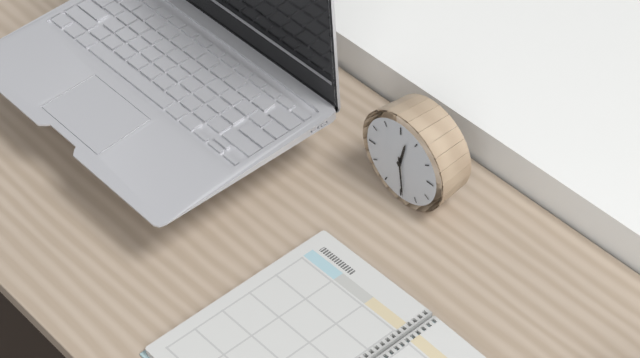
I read 12.29
